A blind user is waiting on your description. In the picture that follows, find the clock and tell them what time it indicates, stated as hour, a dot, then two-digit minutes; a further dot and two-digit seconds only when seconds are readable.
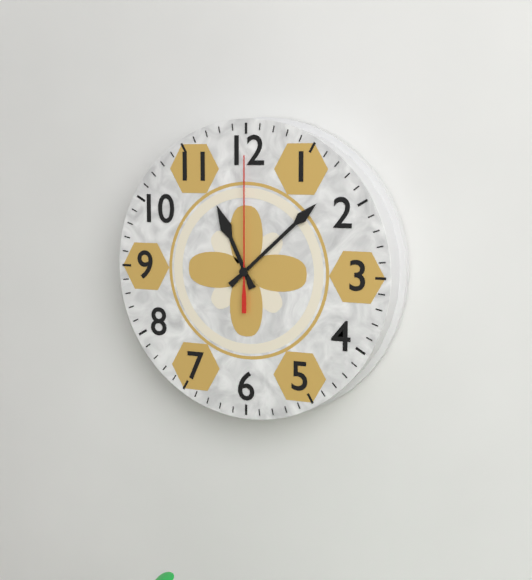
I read 11.08.00
